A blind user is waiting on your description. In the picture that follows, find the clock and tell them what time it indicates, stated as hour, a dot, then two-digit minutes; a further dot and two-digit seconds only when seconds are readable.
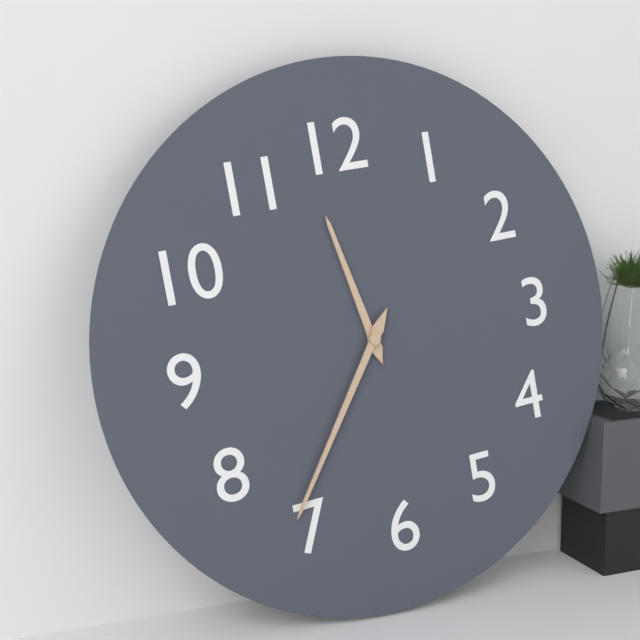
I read 11.36
